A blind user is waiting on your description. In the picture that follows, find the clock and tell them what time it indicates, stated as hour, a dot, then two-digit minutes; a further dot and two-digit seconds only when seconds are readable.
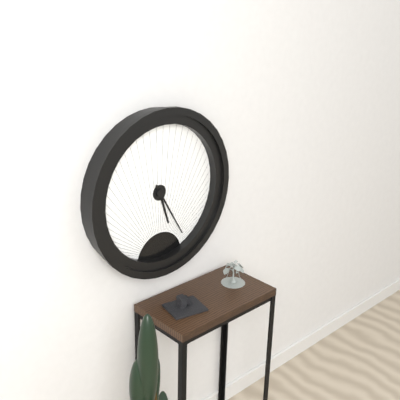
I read 5.25
